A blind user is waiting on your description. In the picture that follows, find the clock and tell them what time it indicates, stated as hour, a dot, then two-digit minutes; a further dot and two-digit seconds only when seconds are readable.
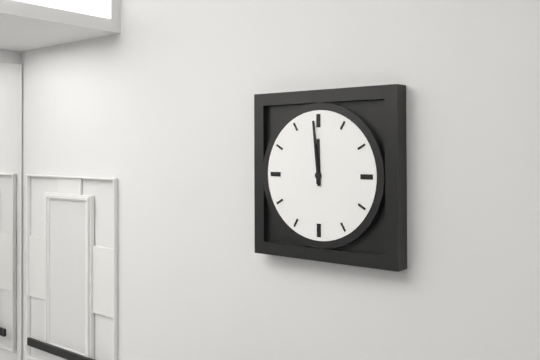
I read 11.59
